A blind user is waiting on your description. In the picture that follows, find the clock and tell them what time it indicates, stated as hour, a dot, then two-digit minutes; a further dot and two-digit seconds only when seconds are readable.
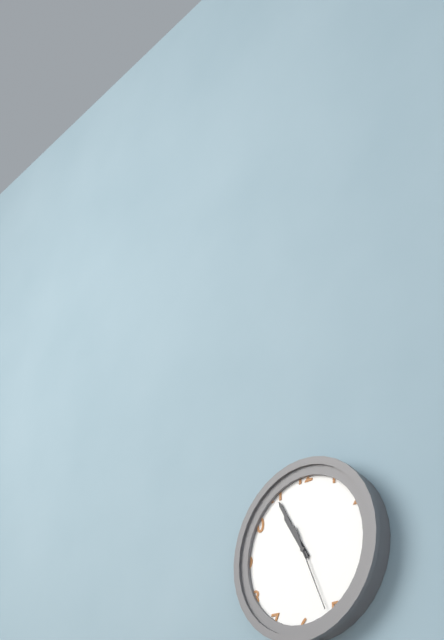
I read 10.55.26
